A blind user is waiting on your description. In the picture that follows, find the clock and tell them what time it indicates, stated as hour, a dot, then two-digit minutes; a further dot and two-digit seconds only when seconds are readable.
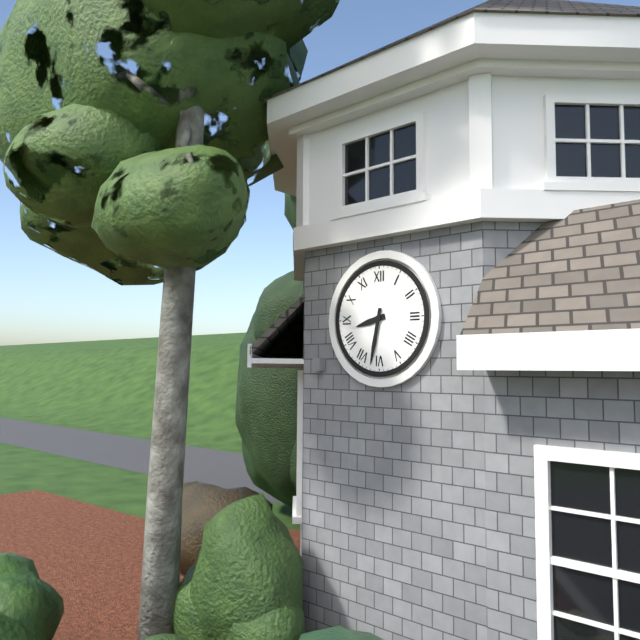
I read 8.32
